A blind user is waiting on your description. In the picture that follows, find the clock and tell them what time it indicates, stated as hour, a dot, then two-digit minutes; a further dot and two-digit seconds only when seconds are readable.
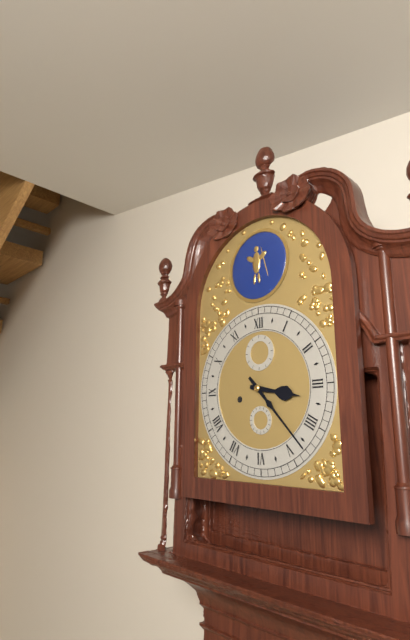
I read 3.23
